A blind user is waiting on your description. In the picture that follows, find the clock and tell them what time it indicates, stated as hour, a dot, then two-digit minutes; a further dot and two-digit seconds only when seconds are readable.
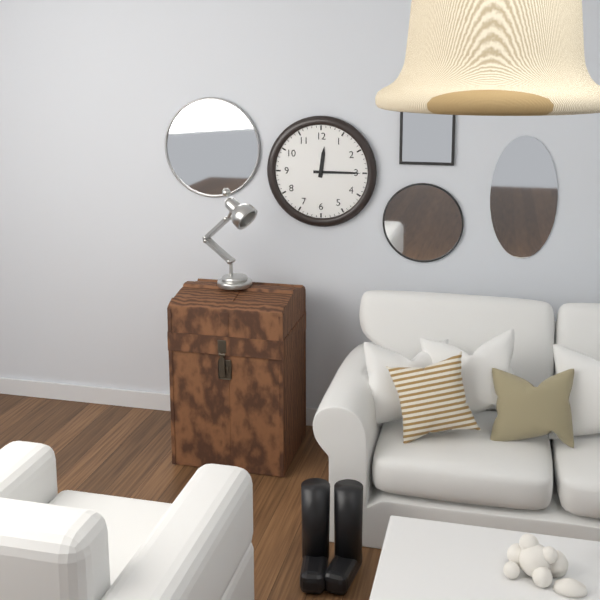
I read 12.15
